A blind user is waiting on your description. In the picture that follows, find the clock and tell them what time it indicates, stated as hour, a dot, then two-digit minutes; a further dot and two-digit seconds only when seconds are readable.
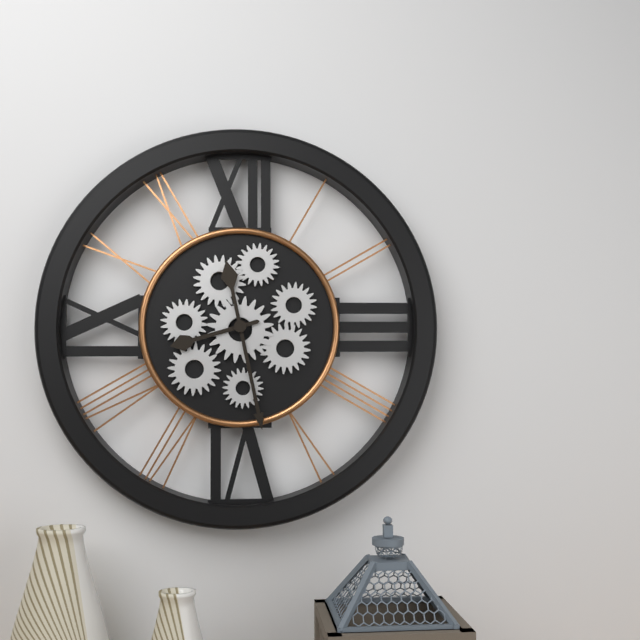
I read 8.28
